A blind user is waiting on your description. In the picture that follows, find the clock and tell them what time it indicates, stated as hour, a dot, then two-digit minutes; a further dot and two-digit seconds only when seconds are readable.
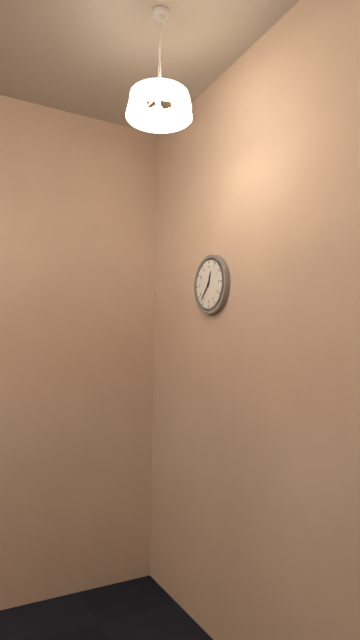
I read 12.37
